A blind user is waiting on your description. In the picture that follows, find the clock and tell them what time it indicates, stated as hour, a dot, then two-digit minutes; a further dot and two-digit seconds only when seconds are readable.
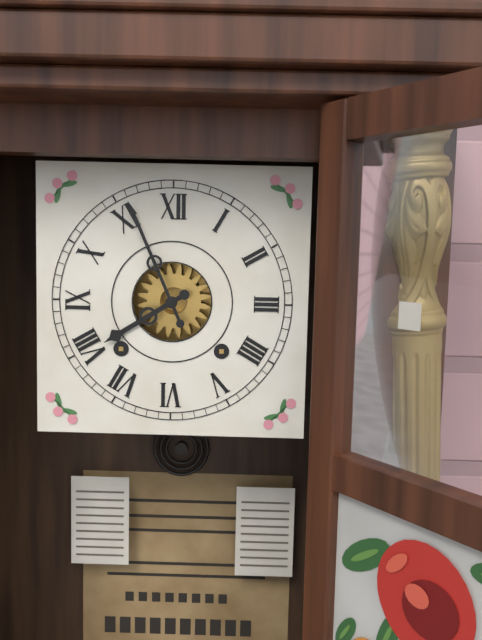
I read 7.56
